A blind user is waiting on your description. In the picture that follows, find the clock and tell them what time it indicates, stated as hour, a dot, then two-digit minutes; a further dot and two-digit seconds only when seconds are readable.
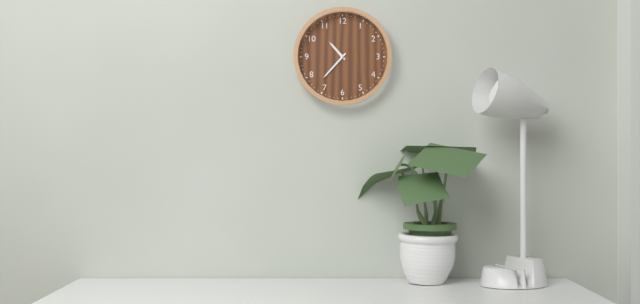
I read 10.37
